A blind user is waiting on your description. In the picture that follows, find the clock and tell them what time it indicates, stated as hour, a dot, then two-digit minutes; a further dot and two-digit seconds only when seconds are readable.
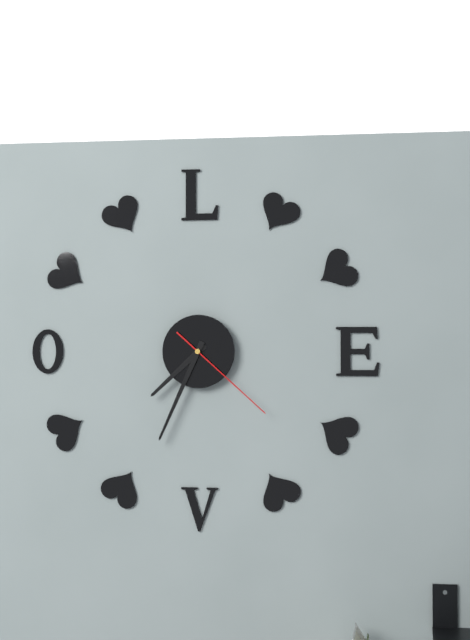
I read 7.34.22
